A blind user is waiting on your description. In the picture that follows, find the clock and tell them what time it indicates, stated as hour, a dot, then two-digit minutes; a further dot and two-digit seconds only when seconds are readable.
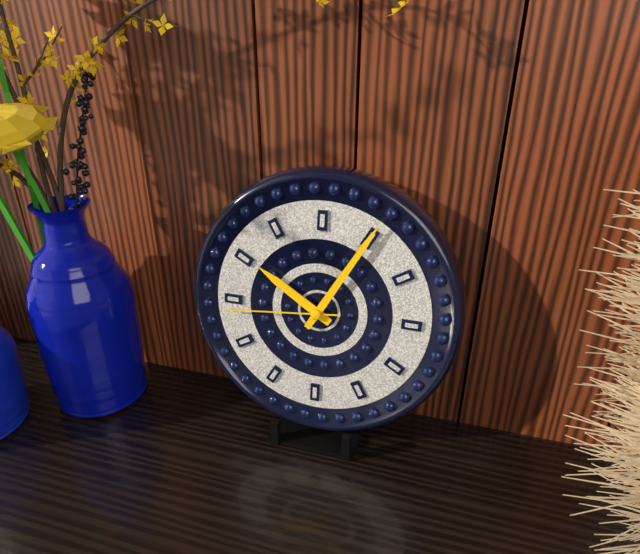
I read 10.05.44
